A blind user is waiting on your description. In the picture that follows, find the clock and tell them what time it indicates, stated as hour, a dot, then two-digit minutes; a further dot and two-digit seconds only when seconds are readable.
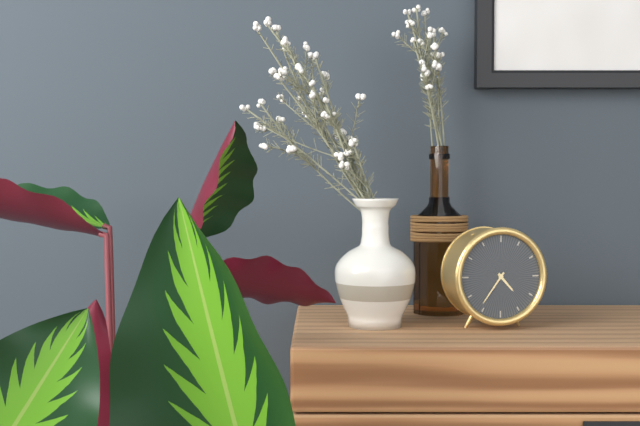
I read 4.36
